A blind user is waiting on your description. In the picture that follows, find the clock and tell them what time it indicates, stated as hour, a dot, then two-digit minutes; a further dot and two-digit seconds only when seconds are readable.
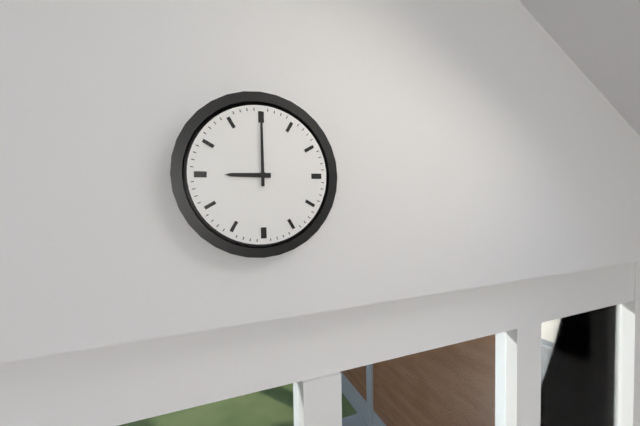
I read 9.00
